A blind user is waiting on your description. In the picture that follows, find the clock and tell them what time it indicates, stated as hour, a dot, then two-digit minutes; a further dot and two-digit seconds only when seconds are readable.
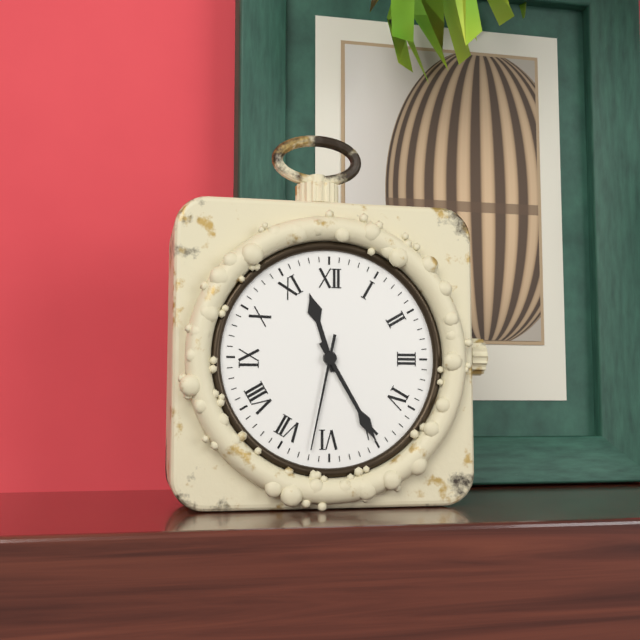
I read 11.25.32
